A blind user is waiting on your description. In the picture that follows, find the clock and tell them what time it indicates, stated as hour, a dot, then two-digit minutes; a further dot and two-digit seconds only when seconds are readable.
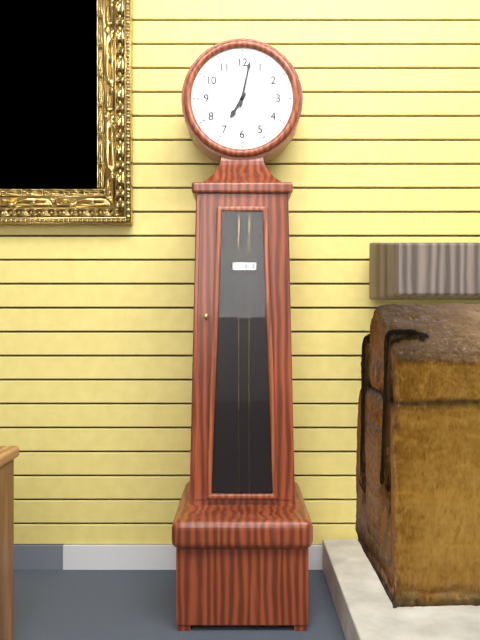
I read 7.02
